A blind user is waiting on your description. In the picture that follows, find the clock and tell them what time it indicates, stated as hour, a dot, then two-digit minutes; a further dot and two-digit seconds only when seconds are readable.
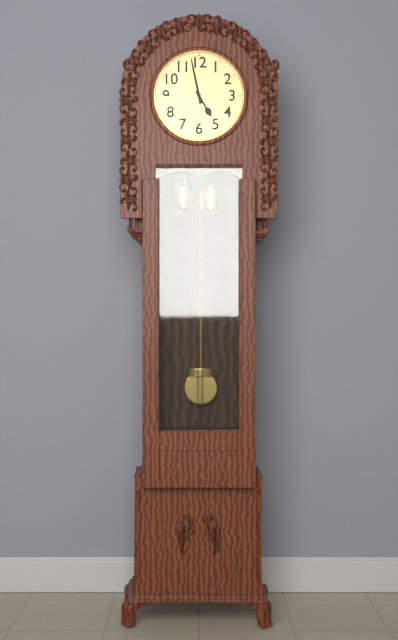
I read 4.58
